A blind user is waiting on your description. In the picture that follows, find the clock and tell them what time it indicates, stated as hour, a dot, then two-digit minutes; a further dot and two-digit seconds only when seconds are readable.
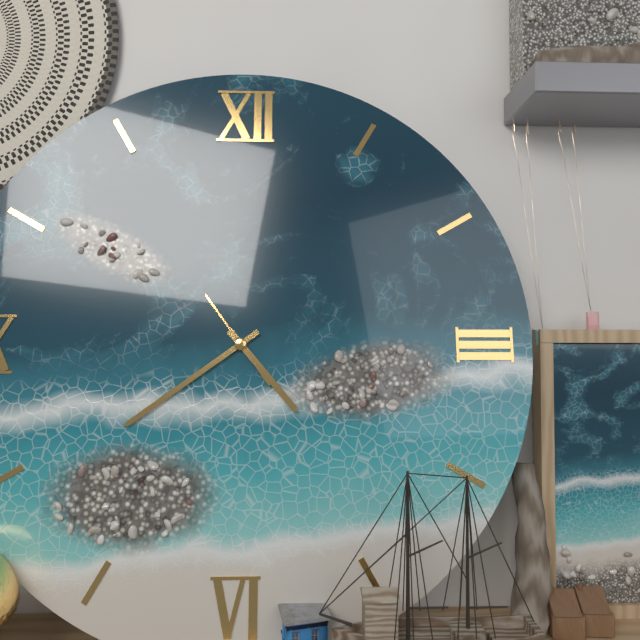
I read 4.39.54
